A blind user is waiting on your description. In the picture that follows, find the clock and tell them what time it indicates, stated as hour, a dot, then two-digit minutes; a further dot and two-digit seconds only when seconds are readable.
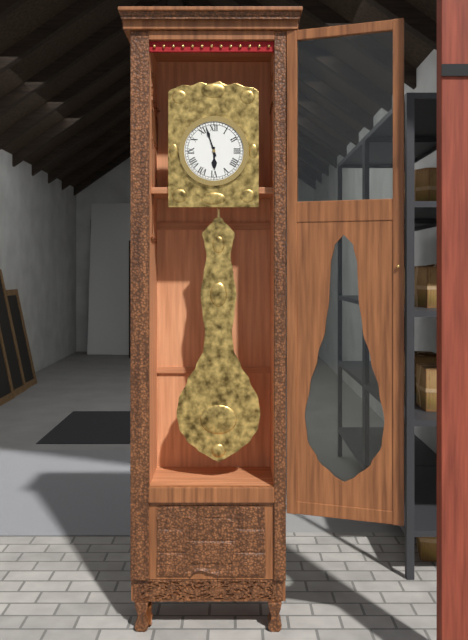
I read 5.57
